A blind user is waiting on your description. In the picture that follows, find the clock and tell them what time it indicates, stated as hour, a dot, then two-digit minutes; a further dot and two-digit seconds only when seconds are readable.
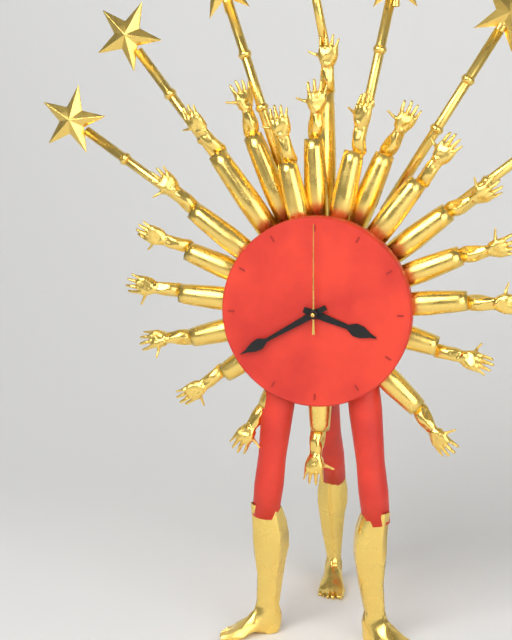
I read 3.40.00
